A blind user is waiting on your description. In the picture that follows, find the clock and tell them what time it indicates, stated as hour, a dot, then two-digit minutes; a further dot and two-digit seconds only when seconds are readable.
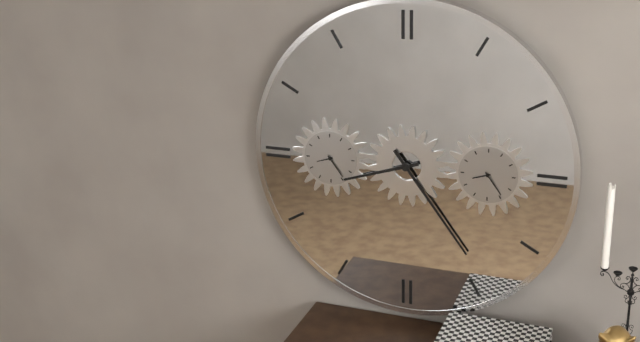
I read 8.24
